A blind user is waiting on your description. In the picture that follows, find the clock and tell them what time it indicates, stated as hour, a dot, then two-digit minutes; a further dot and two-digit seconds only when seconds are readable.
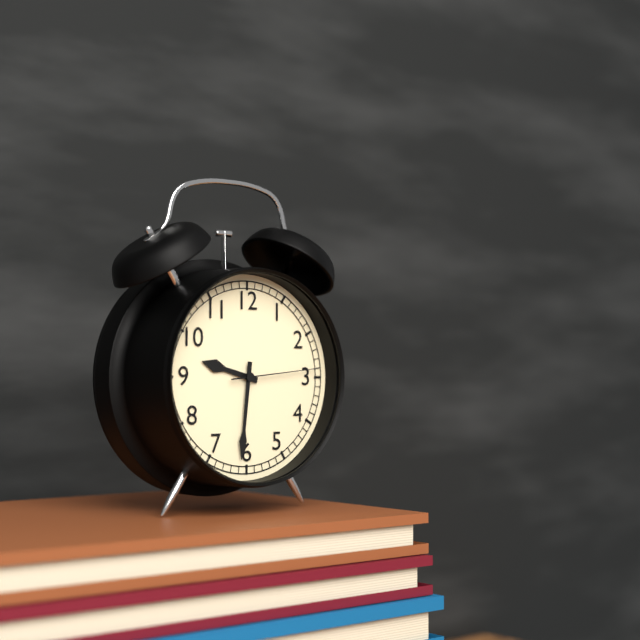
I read 9.31.14
